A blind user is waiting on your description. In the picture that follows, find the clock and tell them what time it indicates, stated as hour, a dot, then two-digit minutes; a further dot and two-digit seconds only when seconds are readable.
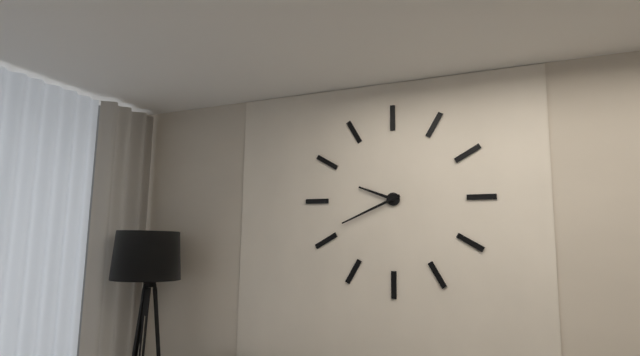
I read 9.41
